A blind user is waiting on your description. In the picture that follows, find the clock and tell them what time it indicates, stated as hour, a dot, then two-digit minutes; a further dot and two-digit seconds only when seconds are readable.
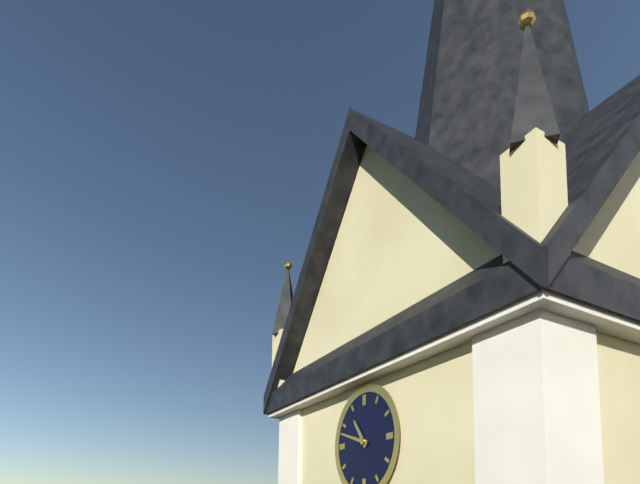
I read 10.48
